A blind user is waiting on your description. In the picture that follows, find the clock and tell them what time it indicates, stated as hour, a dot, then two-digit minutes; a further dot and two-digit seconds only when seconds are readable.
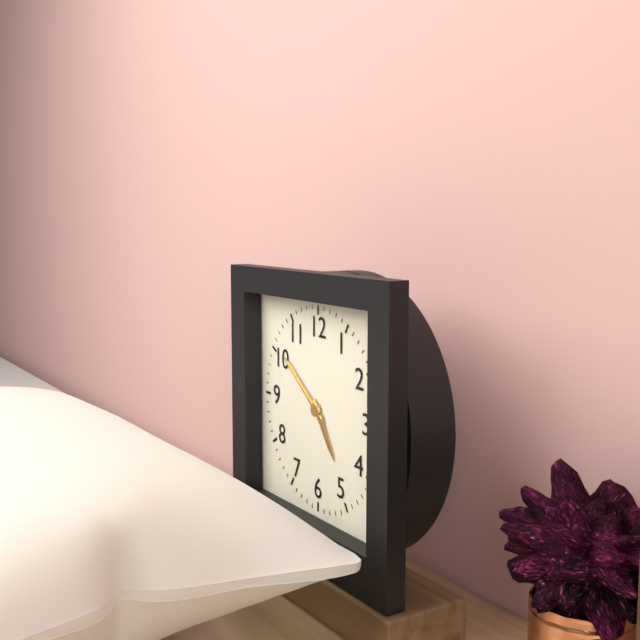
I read 4.51.51
